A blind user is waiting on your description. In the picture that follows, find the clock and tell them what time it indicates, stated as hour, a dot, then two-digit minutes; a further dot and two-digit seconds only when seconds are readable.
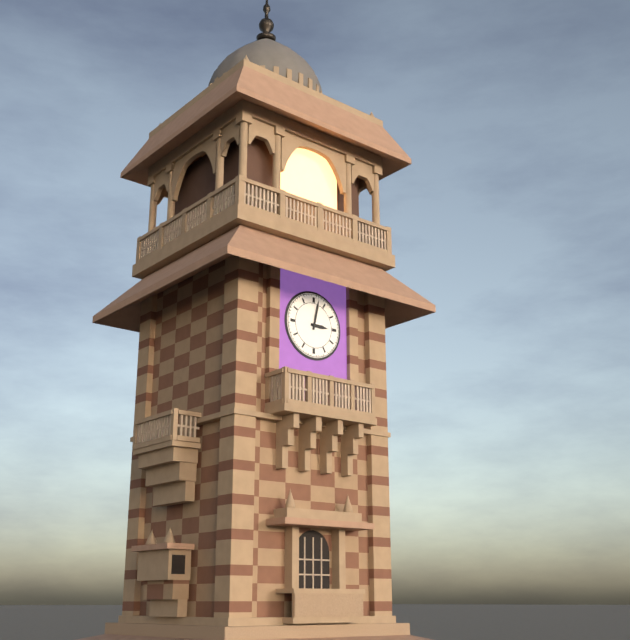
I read 3.02
